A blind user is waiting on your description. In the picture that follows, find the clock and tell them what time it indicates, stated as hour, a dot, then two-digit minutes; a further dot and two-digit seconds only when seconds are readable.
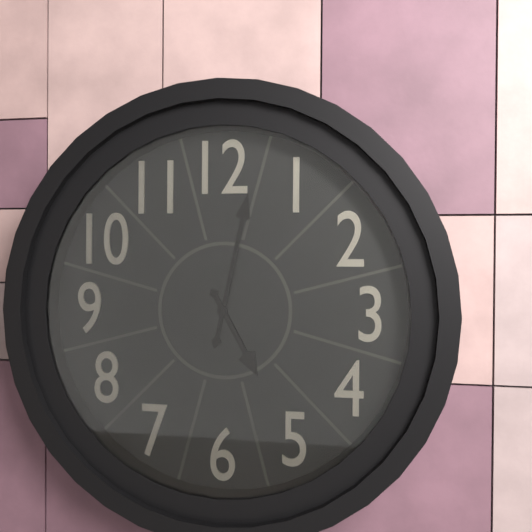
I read 5.02
